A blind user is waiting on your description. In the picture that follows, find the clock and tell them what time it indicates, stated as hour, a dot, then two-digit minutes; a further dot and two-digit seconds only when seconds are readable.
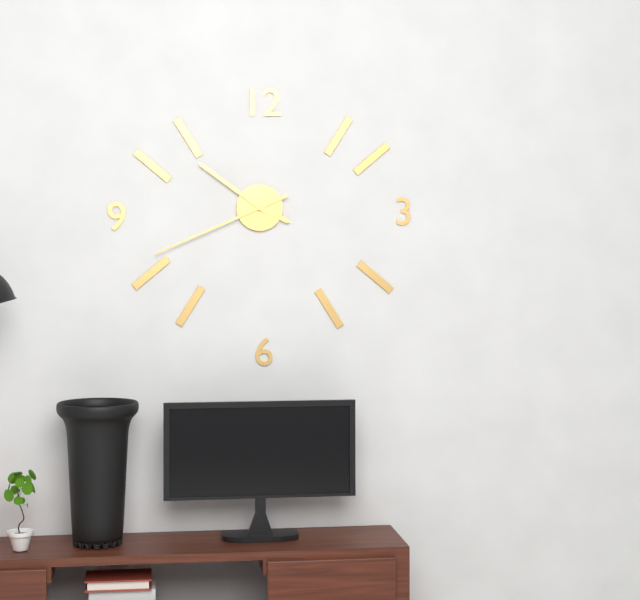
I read 3.51.41
